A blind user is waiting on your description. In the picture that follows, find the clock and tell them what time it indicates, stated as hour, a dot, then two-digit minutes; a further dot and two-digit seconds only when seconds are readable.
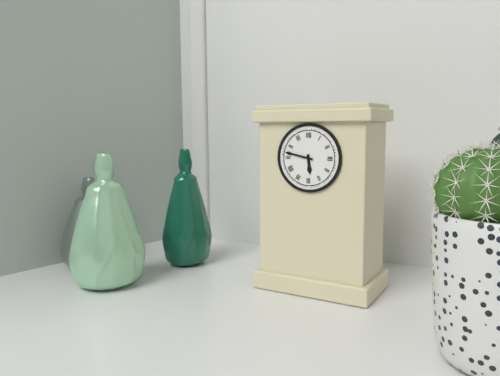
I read 5.47
